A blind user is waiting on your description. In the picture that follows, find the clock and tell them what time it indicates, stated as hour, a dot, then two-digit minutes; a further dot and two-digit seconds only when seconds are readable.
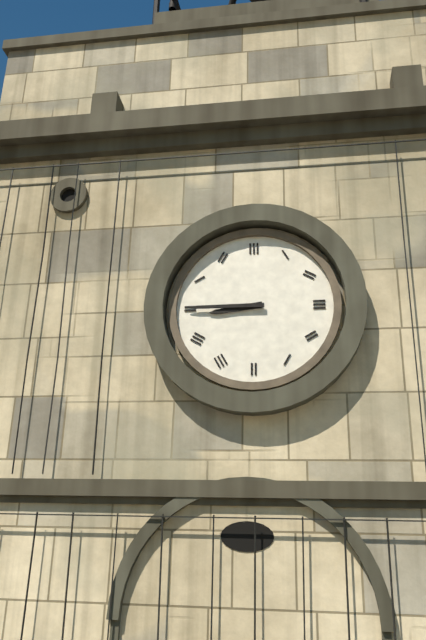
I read 8.45
